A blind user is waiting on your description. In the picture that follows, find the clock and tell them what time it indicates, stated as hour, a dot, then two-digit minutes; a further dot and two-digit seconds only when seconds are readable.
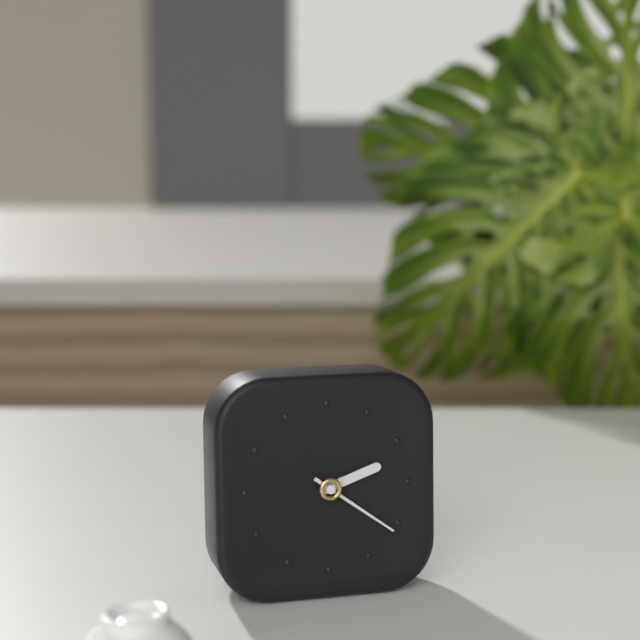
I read 2.21
